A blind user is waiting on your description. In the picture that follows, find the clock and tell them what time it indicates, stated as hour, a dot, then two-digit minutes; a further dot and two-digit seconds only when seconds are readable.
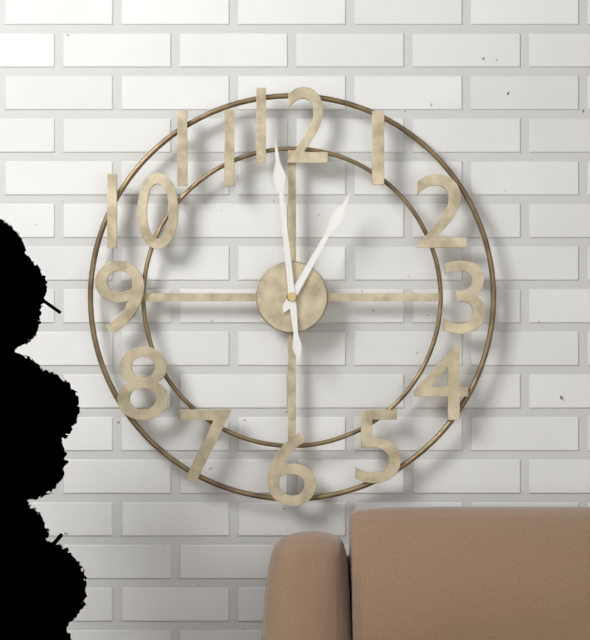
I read 12.59
